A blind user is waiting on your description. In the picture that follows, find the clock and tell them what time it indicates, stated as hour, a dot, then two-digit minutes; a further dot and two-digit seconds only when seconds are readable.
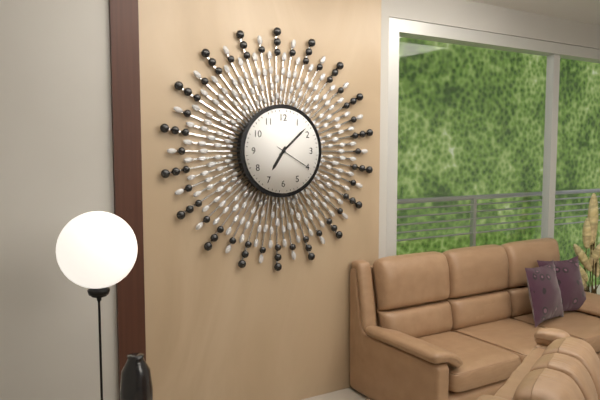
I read 7.08
